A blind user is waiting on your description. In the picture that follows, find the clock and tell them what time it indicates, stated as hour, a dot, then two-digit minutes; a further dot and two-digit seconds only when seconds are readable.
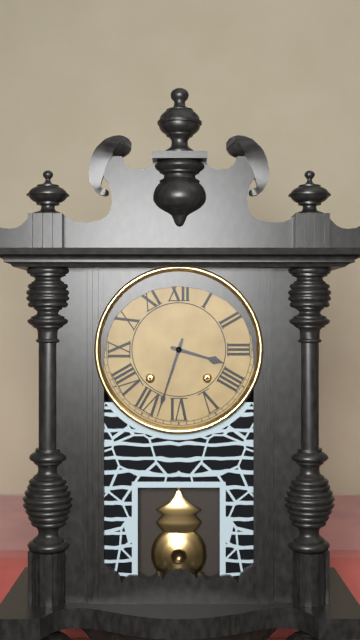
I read 3.33
